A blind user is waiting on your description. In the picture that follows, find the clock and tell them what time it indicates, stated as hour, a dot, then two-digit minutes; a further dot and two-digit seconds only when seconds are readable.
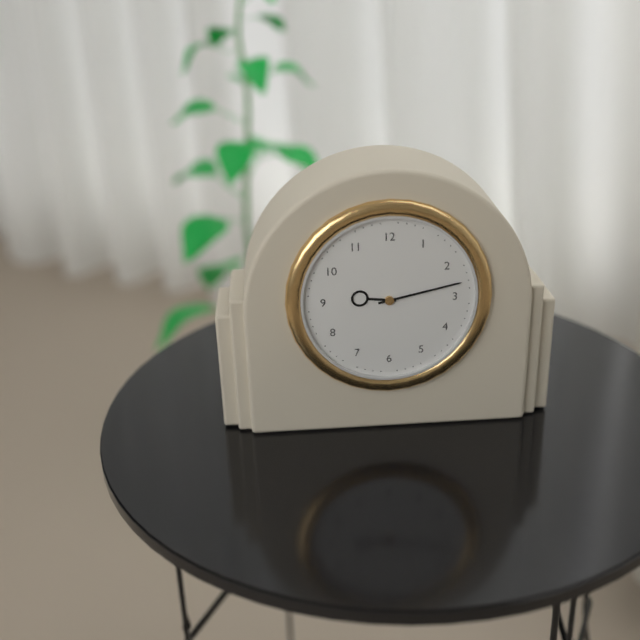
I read 9.13
